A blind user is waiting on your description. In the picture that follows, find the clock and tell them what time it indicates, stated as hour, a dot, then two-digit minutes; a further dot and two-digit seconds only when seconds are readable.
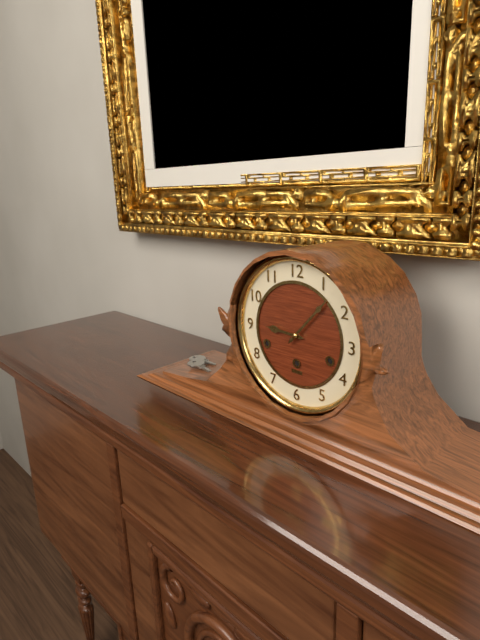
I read 9.07
